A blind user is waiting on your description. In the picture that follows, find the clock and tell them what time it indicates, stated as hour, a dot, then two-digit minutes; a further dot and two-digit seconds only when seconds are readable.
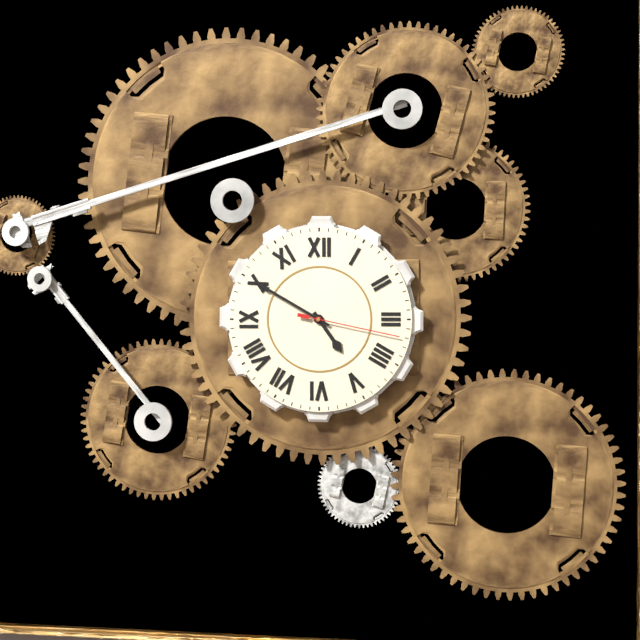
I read 4.50.17
